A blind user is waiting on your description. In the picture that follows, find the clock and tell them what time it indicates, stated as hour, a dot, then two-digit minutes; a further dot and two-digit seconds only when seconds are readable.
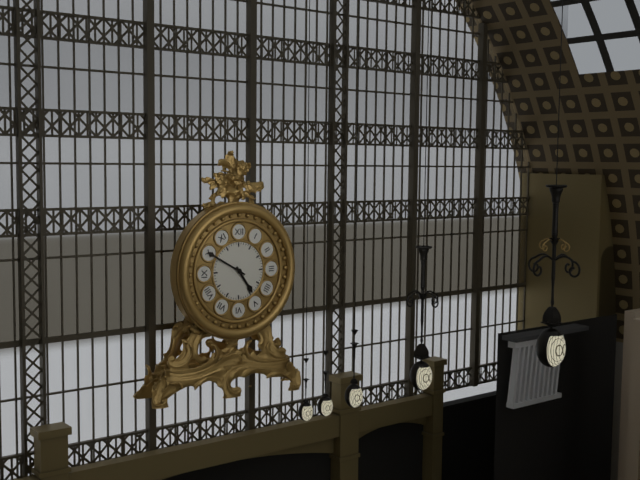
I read 4.50
